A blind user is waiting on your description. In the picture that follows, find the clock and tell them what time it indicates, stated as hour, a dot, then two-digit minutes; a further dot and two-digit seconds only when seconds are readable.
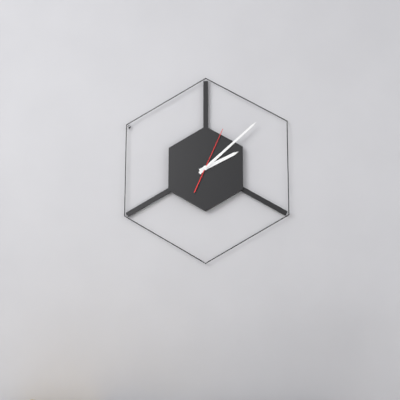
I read 2.08.04
